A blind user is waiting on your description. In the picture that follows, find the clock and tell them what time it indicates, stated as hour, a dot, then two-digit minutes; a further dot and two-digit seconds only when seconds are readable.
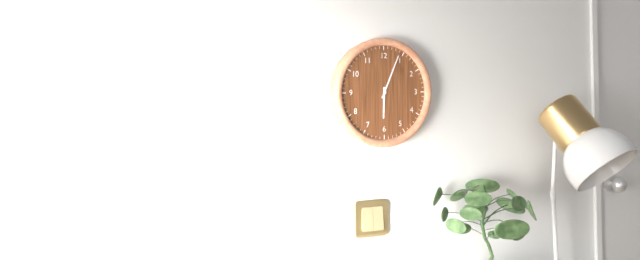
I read 6.04
